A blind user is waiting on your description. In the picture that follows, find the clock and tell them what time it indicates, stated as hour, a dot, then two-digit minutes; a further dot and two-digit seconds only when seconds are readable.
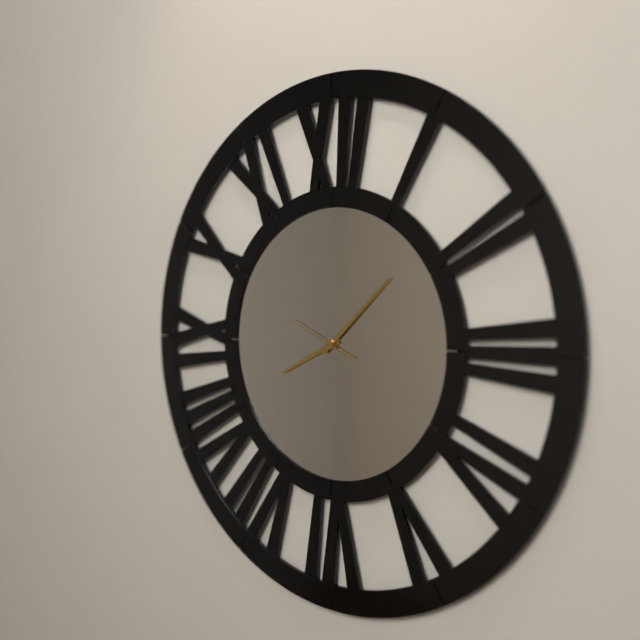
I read 8.08.49
